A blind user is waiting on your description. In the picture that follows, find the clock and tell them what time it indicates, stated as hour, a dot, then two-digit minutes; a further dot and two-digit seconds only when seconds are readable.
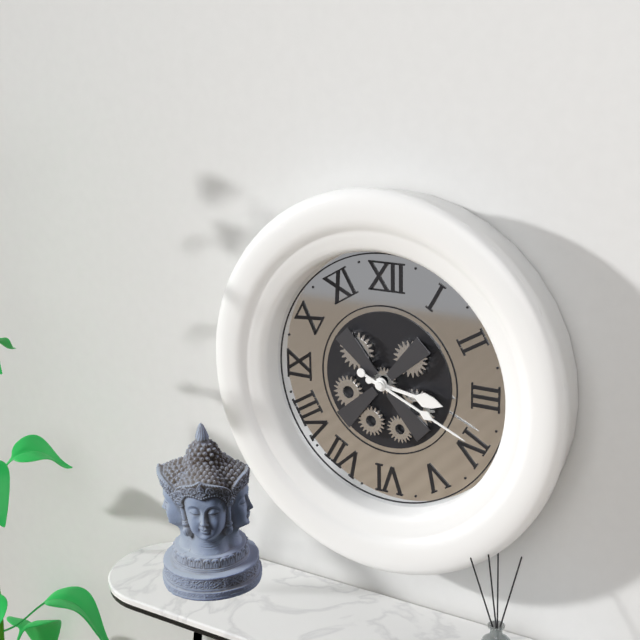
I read 3.19
